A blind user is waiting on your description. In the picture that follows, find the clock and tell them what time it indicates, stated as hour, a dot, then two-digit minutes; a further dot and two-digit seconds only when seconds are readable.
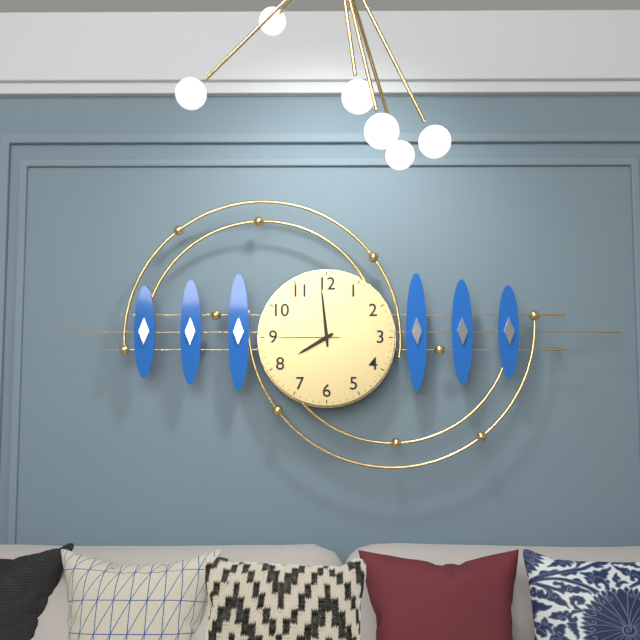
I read 7.59.45
